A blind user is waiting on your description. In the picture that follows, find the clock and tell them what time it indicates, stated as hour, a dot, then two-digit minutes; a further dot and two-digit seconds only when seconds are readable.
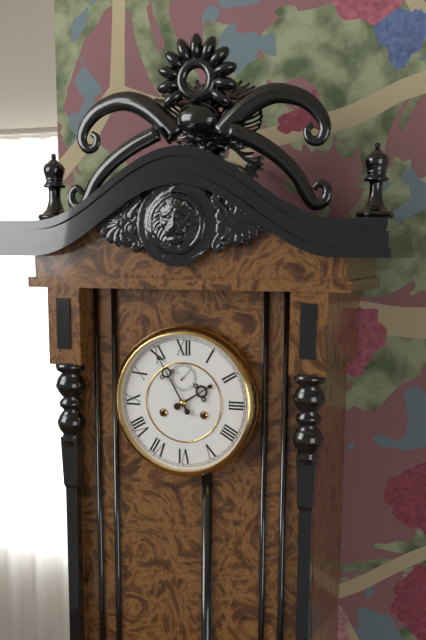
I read 1.55
